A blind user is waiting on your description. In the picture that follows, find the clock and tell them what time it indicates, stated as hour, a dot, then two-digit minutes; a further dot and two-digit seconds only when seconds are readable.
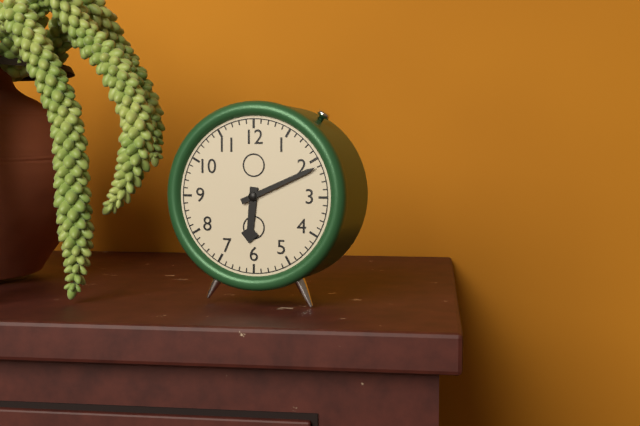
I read 6.11
